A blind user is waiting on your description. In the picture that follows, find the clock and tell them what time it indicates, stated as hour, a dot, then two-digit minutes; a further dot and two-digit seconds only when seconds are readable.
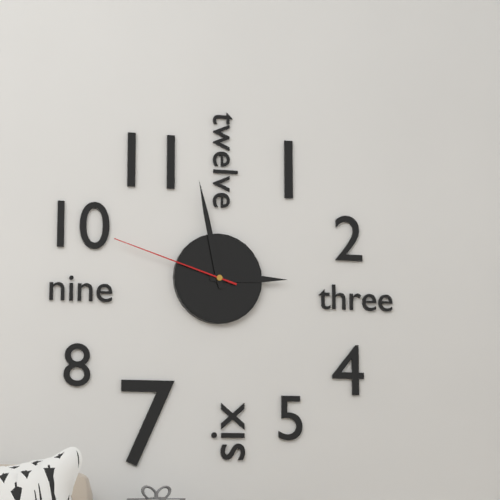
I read 2.58.48
